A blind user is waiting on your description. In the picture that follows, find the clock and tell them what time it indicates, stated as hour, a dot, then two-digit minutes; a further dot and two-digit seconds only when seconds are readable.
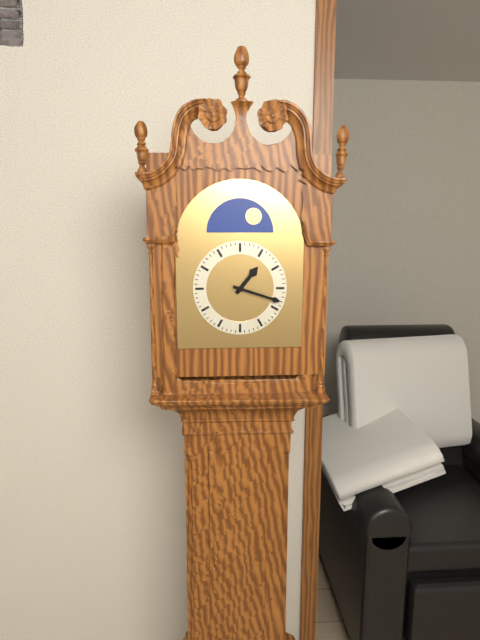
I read 1.18
